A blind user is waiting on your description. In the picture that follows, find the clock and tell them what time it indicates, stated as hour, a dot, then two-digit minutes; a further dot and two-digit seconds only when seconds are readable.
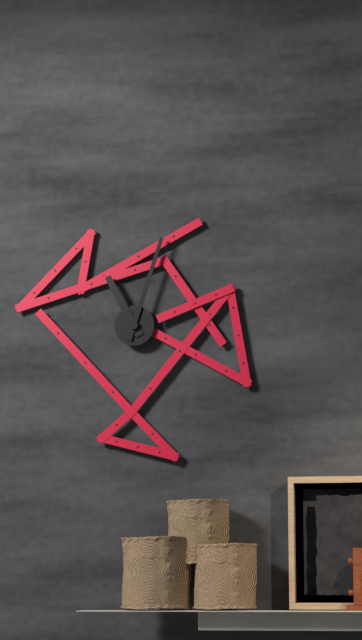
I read 11.03
